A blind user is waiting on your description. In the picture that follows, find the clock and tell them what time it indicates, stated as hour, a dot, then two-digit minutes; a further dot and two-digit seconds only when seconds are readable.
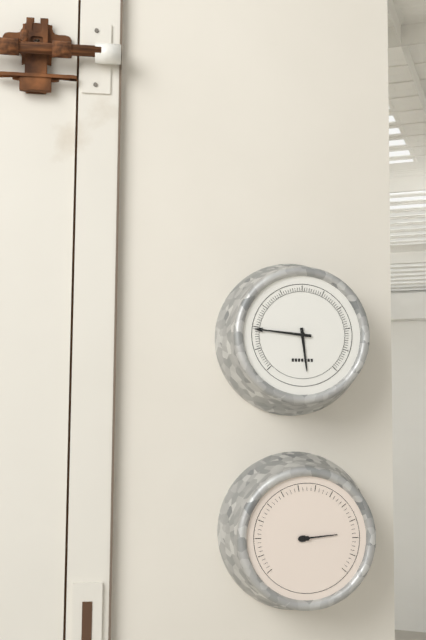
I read 5.46
